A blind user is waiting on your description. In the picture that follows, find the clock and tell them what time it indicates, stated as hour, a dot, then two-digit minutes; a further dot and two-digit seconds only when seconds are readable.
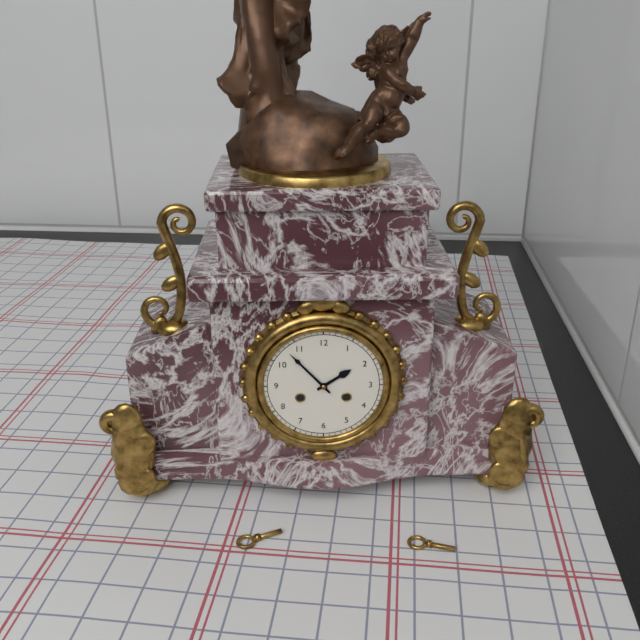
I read 1.53
